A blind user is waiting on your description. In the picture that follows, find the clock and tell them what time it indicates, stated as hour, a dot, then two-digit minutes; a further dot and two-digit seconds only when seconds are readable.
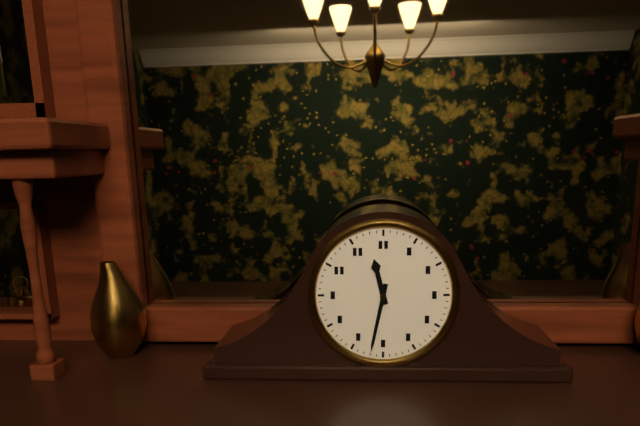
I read 11.32
